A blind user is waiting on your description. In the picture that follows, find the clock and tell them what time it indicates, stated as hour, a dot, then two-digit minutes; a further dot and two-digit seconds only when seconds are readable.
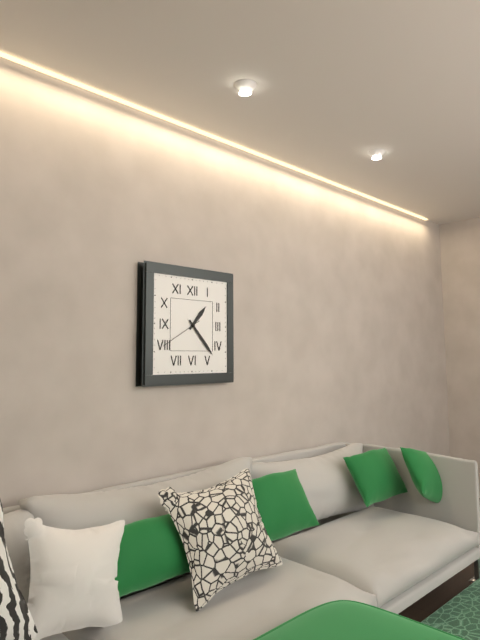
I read 1.23
